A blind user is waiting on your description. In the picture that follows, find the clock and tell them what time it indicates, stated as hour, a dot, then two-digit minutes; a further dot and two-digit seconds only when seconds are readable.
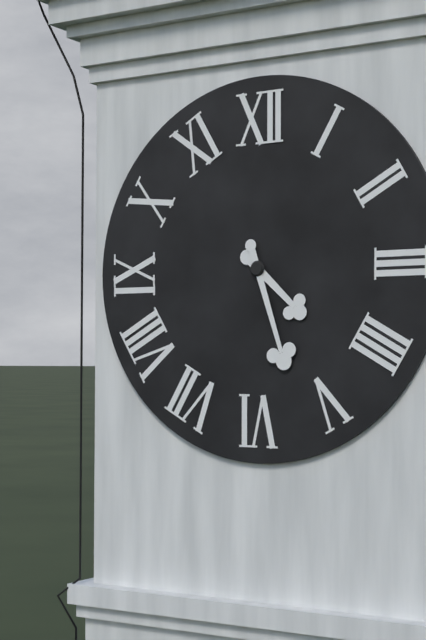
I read 4.27
